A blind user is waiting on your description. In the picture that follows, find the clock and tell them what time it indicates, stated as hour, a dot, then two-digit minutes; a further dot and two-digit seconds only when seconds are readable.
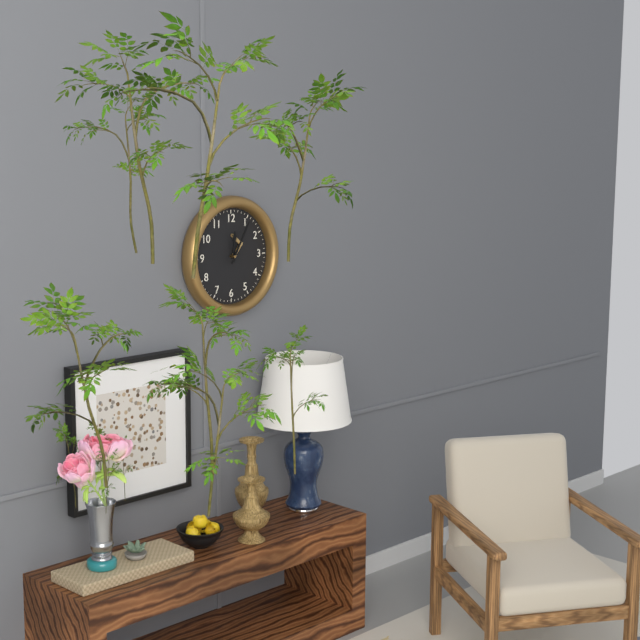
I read 12.05
